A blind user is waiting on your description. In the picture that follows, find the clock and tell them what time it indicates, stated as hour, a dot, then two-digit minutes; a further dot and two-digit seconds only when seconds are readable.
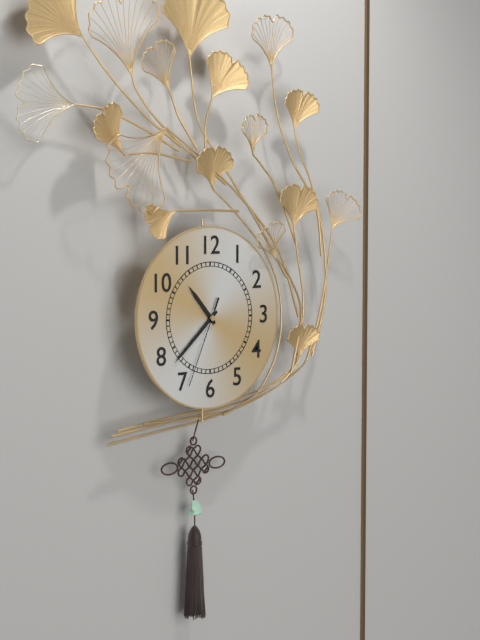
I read 10.38.34
